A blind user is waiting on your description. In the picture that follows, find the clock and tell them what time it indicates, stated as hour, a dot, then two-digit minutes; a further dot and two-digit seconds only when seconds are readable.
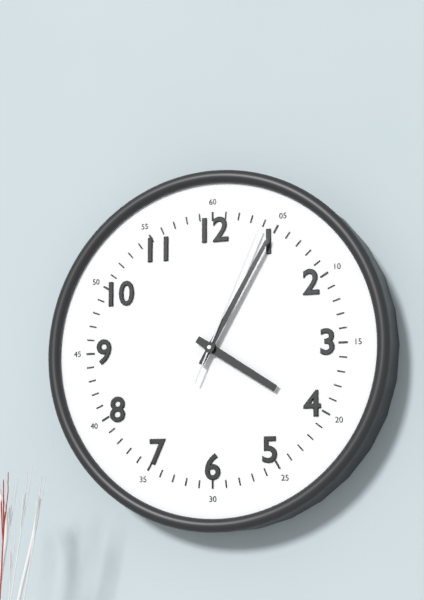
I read 4.05.04
